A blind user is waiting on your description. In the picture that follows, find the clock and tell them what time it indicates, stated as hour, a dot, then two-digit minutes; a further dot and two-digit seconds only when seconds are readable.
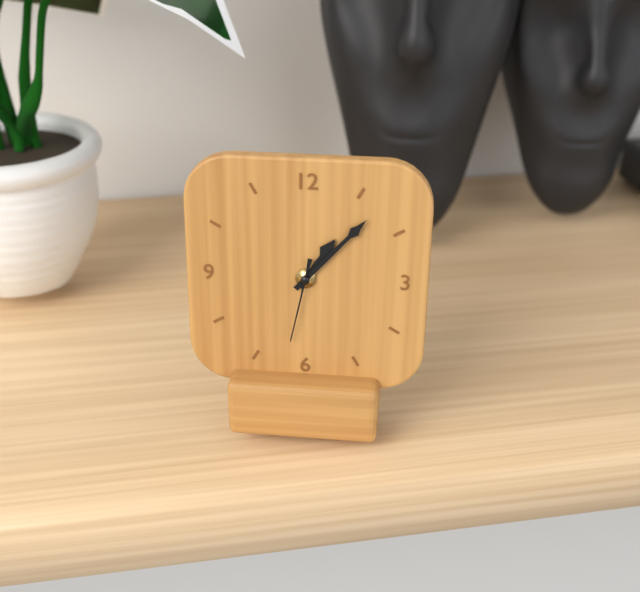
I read 1.07.32
